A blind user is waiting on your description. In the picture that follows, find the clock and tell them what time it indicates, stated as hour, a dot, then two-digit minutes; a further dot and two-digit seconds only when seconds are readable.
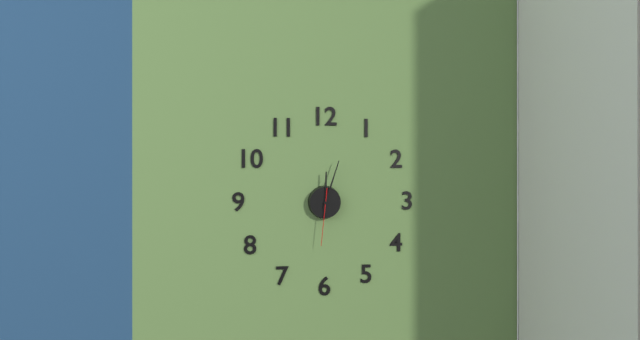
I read 12.03.31
